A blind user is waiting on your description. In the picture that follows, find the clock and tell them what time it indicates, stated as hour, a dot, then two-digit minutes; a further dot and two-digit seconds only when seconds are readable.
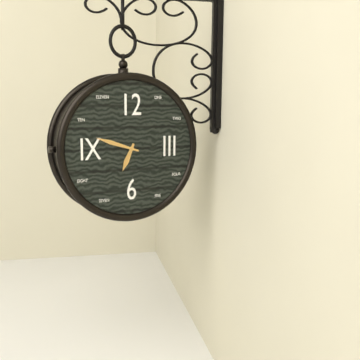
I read 6.48
